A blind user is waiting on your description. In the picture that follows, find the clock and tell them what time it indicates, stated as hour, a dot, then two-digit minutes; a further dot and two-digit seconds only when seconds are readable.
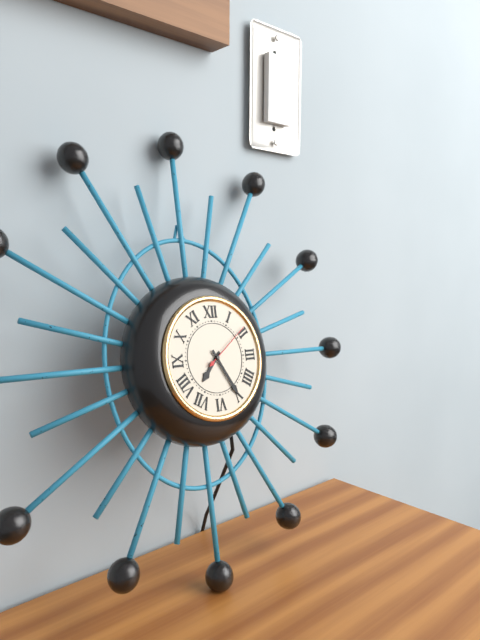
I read 7.25.09
